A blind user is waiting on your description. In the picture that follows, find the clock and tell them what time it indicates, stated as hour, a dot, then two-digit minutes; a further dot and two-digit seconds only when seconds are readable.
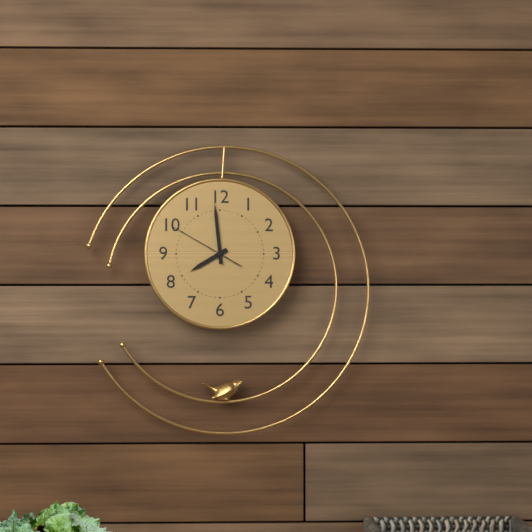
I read 7.59.50
